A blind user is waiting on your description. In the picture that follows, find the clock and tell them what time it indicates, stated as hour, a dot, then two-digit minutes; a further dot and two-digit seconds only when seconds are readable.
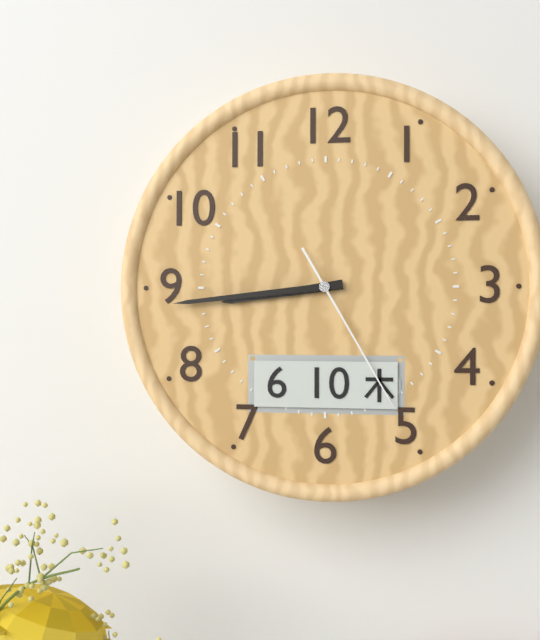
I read 8.44.25
